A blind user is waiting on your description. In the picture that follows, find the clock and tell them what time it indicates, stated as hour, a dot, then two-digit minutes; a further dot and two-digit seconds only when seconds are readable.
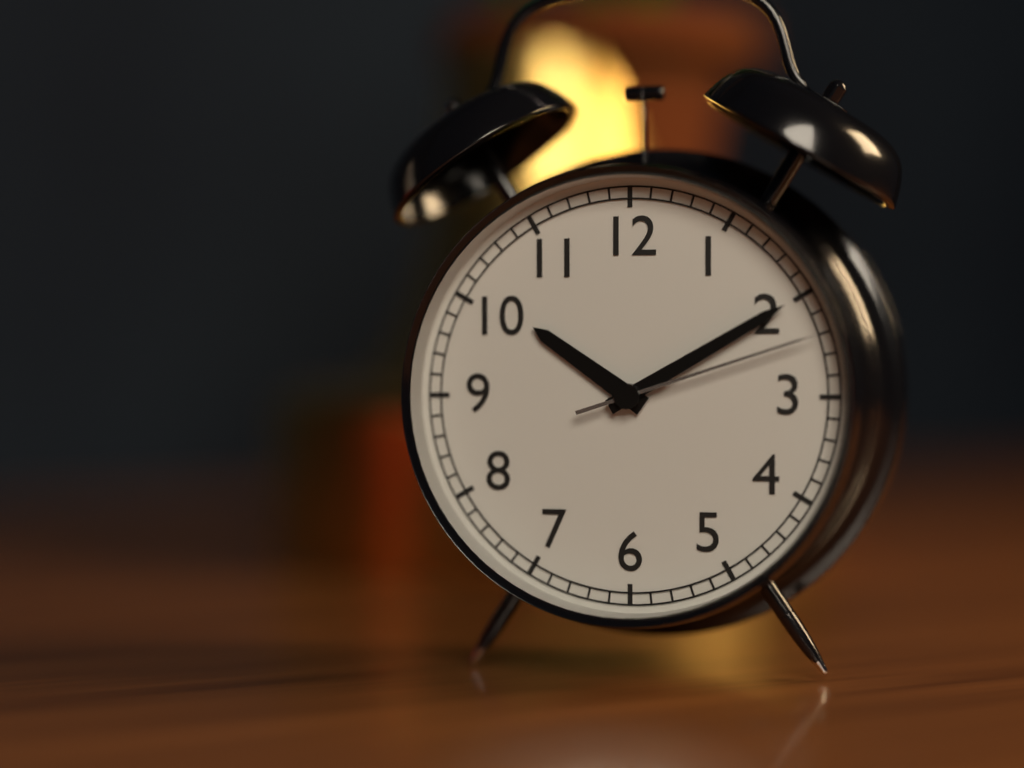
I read 10.10.12
